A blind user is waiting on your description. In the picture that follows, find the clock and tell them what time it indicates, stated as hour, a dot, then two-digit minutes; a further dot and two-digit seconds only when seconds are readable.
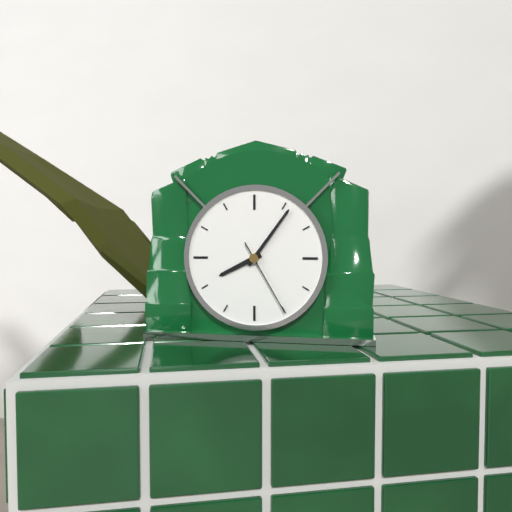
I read 8.06.25
